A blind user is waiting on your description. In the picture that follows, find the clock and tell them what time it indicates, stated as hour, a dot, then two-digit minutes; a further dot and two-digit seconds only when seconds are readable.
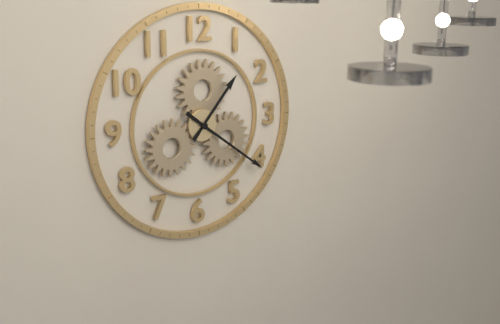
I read 1.21
